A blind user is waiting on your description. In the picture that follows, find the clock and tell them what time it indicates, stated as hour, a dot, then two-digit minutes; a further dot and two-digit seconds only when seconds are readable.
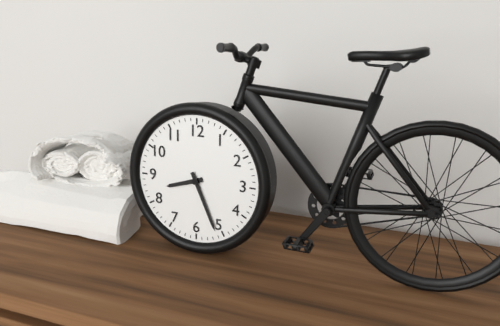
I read 8.26
